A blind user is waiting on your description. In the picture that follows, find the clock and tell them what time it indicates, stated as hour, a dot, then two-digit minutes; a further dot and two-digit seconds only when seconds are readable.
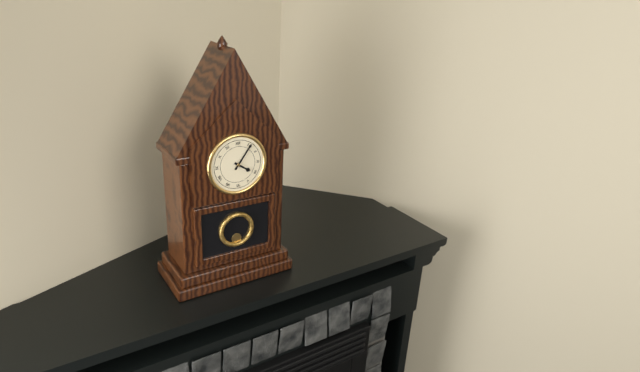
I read 4.06
